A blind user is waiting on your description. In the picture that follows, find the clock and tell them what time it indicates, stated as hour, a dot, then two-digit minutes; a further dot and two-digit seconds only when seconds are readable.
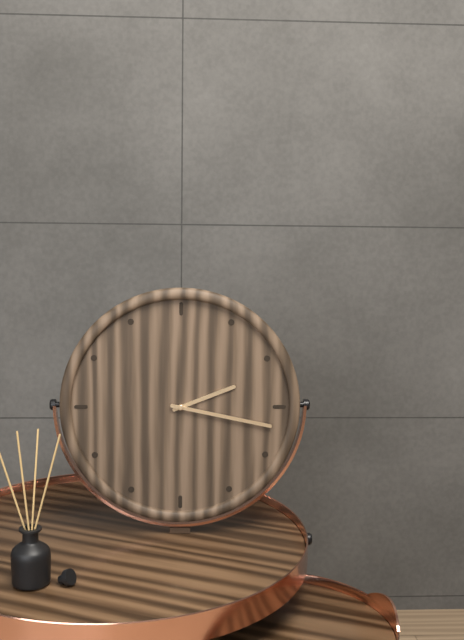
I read 2.17
